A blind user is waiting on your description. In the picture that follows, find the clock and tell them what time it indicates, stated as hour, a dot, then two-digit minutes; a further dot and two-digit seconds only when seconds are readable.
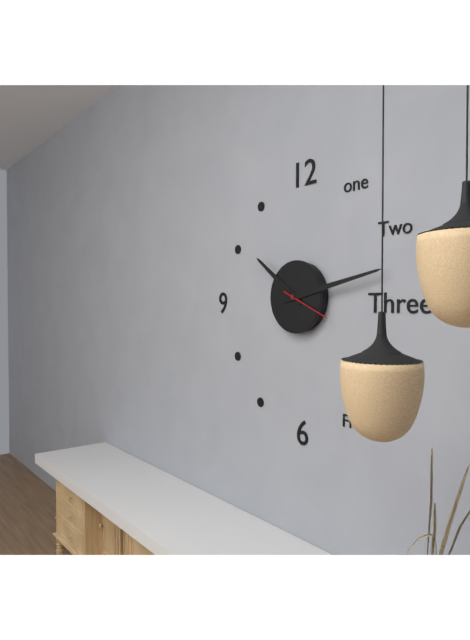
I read 10.13.19
